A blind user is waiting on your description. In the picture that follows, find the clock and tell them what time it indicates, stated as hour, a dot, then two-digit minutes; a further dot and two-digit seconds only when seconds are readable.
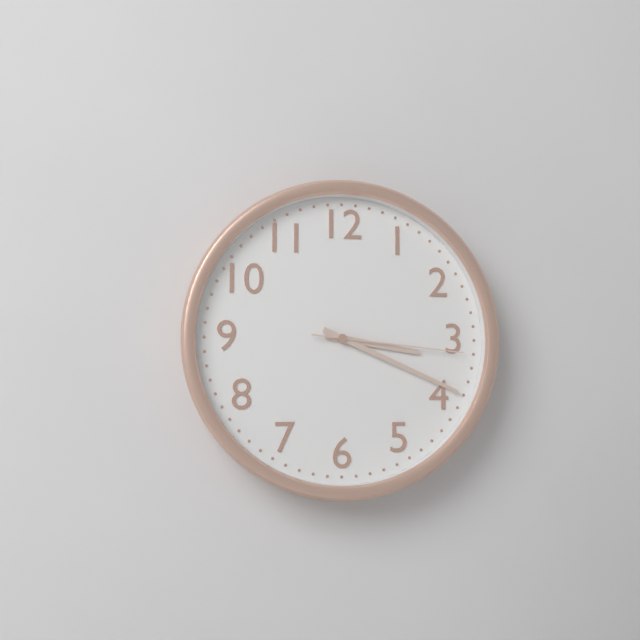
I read 3.19.16
